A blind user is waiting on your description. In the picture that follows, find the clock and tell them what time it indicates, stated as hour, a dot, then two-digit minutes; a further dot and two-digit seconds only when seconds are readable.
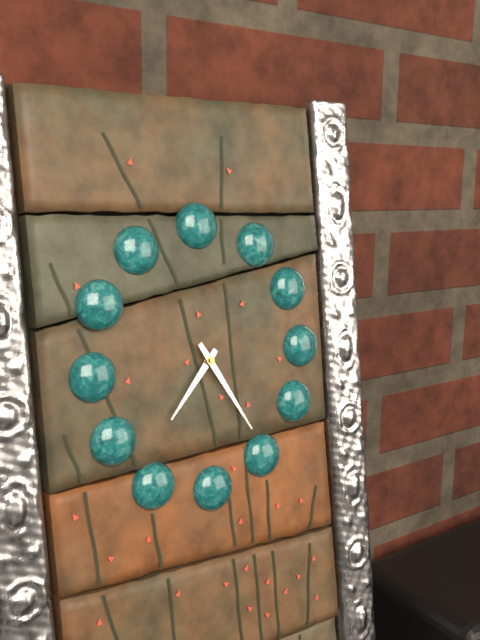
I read 7.25
